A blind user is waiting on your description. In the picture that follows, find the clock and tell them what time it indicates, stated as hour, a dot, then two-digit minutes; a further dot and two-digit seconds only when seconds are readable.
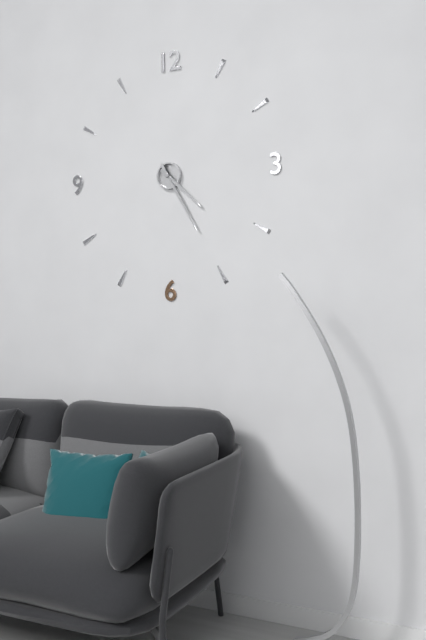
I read 4.25
